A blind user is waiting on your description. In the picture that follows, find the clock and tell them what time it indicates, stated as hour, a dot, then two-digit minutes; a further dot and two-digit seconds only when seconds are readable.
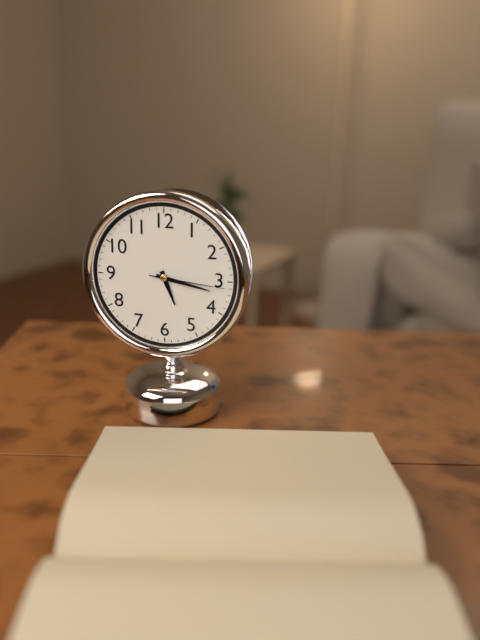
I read 5.17.16
